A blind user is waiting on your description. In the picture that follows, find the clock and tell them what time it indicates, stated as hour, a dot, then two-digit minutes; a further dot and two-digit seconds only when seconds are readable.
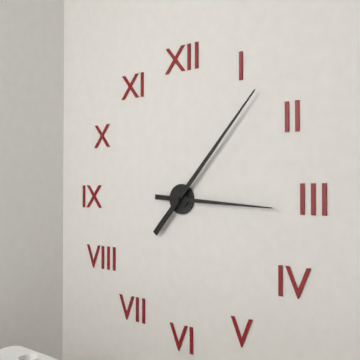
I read 3.07
